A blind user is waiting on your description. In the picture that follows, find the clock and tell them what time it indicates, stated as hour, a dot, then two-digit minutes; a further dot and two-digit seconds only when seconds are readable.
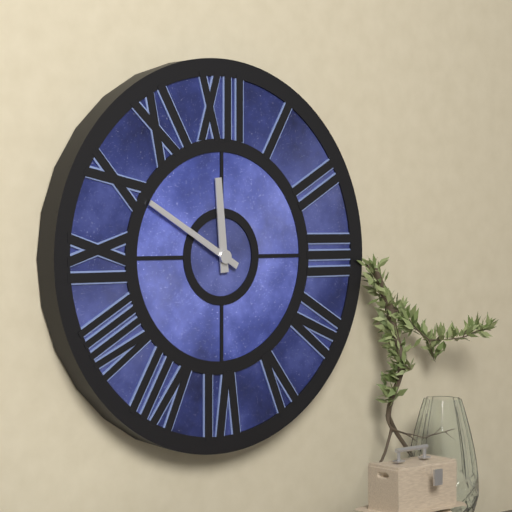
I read 11.50
